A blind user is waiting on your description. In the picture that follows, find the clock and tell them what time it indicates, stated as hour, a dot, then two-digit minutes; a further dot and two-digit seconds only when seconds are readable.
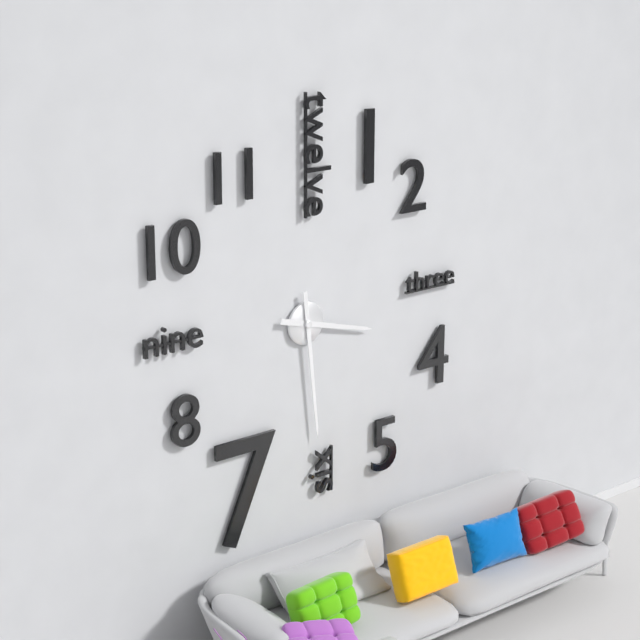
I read 3.29
